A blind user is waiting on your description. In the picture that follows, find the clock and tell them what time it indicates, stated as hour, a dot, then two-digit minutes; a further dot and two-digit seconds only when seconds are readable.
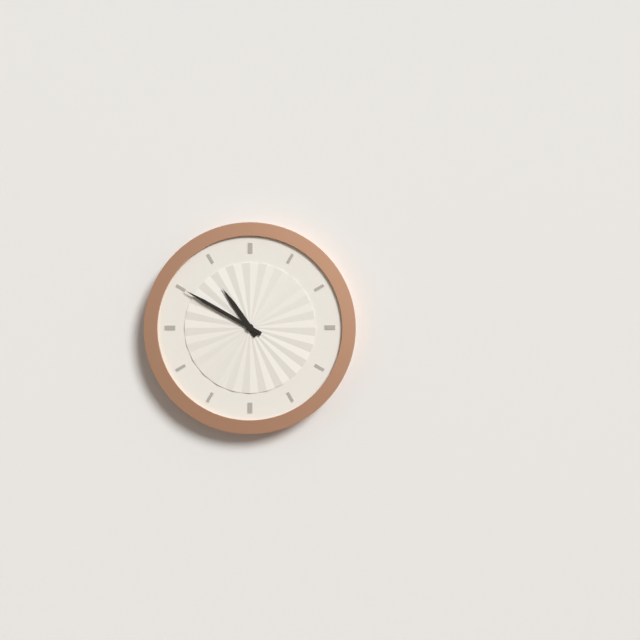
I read 10.50
